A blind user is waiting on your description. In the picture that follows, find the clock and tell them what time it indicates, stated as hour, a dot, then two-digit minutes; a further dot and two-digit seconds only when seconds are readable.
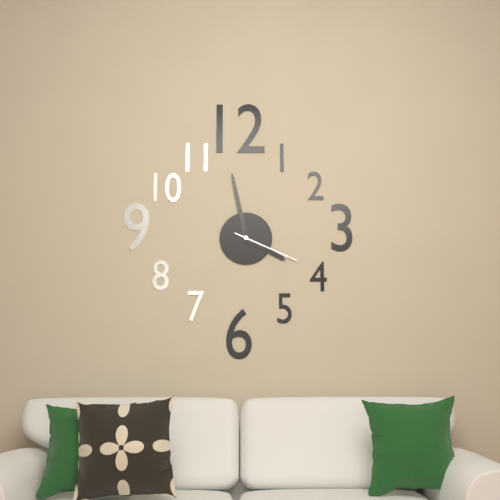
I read 3.58.19
